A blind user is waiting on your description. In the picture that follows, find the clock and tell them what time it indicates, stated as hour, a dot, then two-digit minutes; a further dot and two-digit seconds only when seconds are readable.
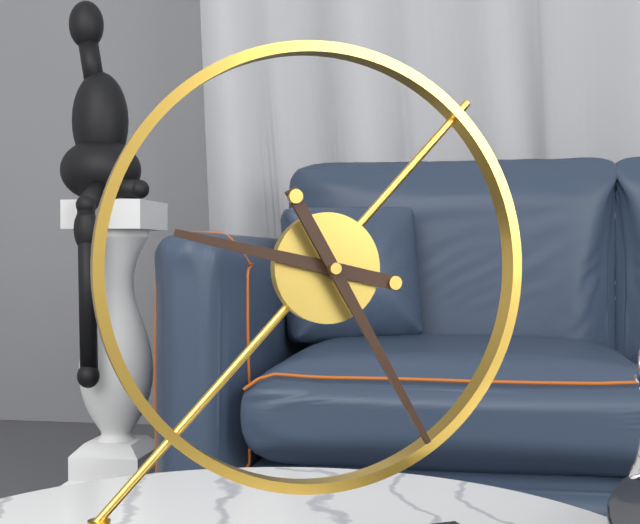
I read 9.25
